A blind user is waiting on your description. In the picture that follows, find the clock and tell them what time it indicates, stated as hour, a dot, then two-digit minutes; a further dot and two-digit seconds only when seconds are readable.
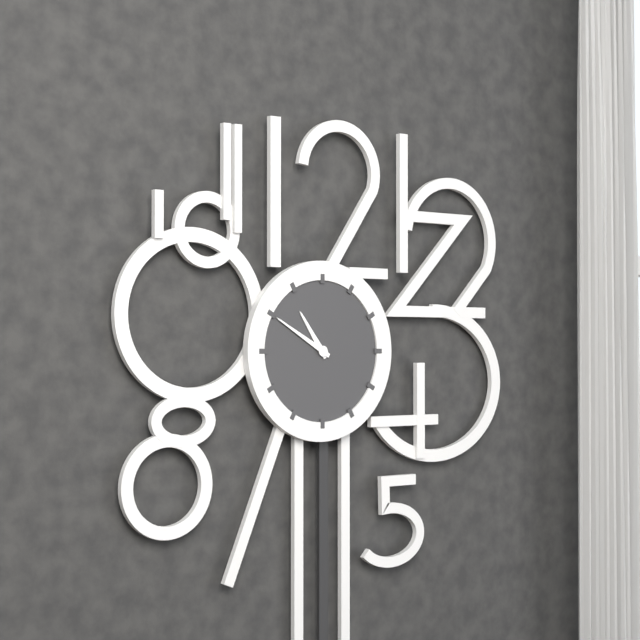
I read 10.50
